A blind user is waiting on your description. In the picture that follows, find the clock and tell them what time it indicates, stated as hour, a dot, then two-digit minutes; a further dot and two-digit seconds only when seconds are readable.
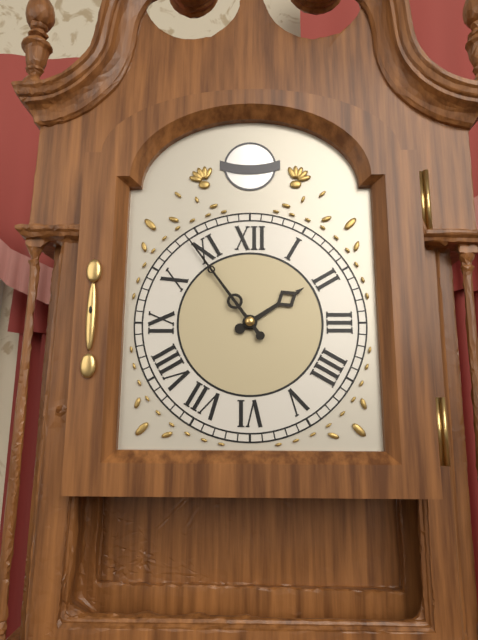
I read 1.54
